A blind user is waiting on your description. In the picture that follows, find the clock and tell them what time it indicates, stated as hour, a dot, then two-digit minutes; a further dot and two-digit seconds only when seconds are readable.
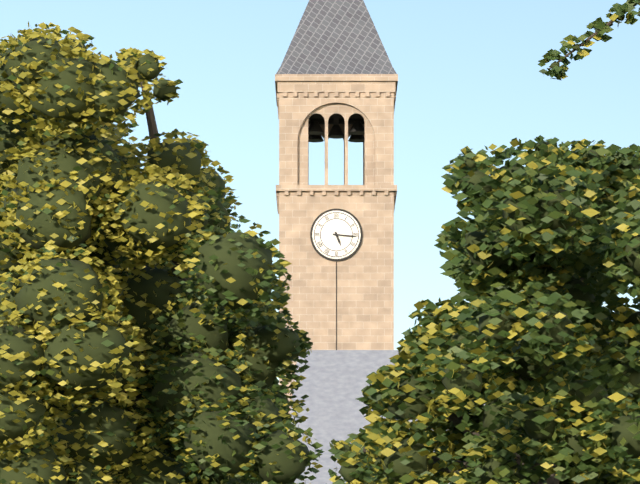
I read 5.16
